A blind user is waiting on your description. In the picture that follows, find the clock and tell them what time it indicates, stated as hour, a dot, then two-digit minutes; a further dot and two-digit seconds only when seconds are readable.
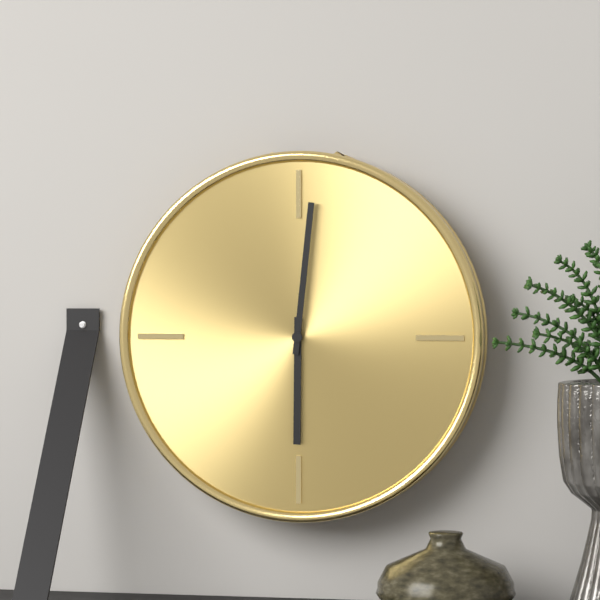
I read 6.01
